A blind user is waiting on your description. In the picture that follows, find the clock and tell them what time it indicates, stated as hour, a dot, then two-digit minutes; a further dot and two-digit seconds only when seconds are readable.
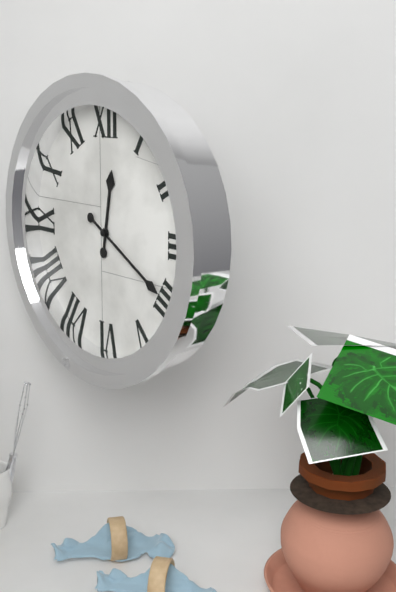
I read 12.20
